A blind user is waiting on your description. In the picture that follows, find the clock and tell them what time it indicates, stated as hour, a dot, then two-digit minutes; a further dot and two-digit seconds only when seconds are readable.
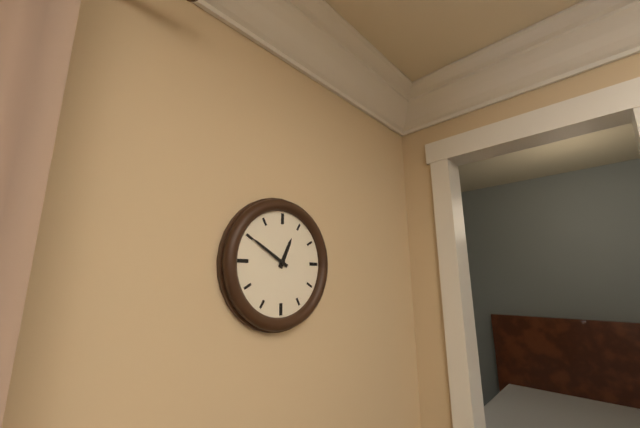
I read 12.50
